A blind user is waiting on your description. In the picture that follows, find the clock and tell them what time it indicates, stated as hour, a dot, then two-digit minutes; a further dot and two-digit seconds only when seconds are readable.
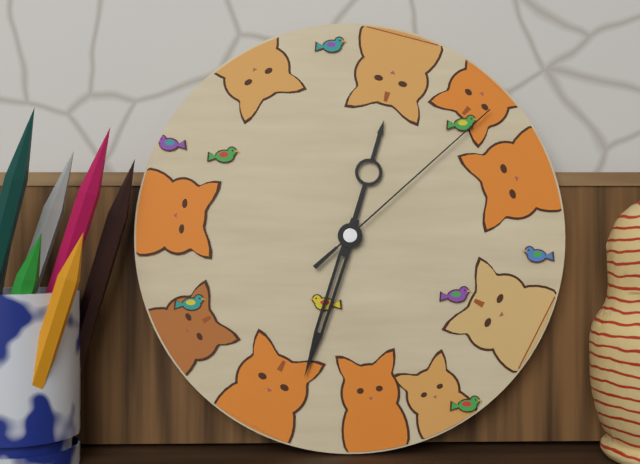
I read 12.33.08
